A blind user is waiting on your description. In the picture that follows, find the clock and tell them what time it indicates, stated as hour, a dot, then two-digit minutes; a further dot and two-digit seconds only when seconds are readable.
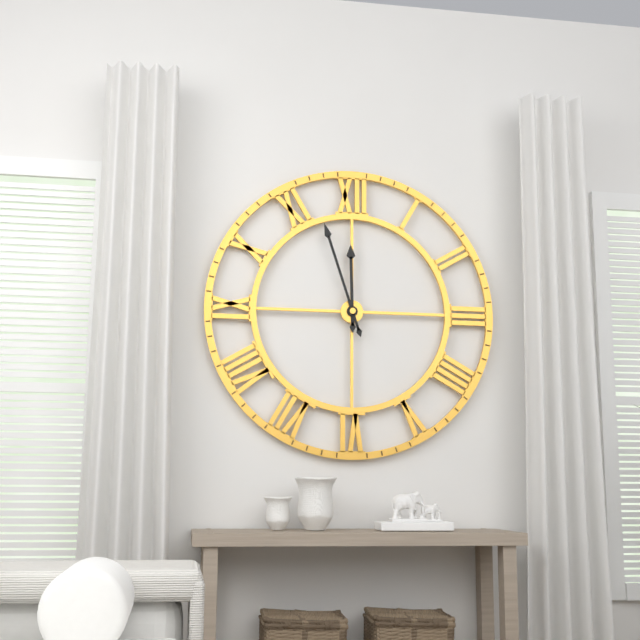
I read 11.57
